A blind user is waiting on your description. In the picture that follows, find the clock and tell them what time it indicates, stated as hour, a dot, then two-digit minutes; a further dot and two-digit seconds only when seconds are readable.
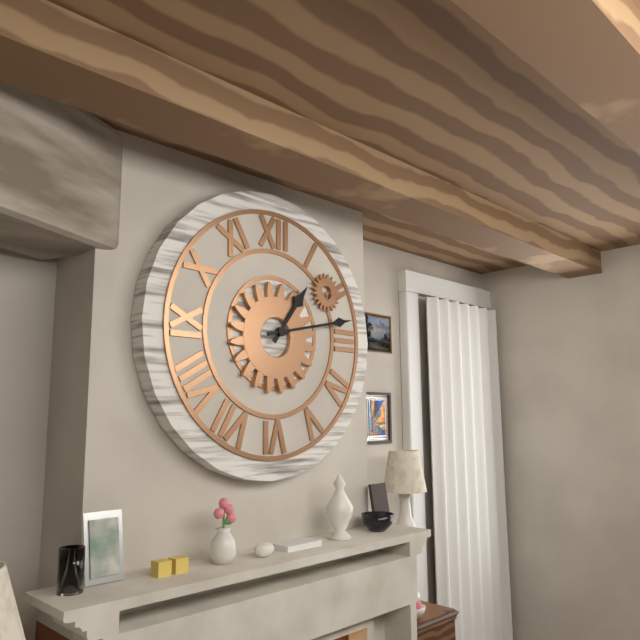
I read 1.13
